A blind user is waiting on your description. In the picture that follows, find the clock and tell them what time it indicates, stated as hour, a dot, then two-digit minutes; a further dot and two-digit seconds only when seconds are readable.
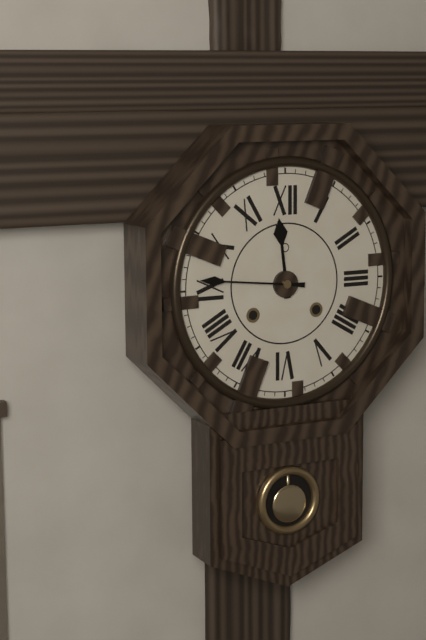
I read 11.46
